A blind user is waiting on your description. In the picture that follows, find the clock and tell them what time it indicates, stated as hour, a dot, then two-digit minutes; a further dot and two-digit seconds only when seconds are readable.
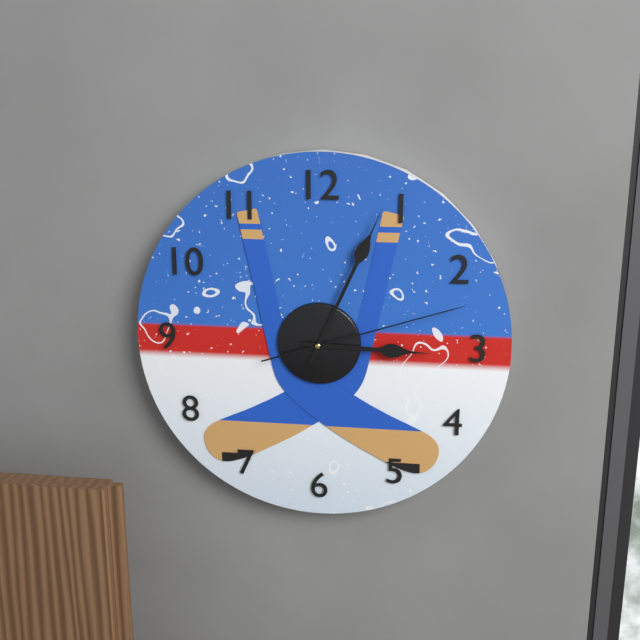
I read 3.04.12
